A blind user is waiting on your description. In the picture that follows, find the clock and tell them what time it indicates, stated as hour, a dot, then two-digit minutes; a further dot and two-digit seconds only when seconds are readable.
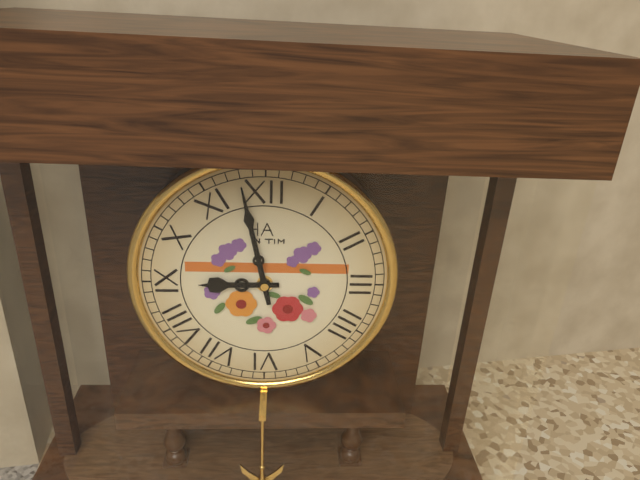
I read 8.58
